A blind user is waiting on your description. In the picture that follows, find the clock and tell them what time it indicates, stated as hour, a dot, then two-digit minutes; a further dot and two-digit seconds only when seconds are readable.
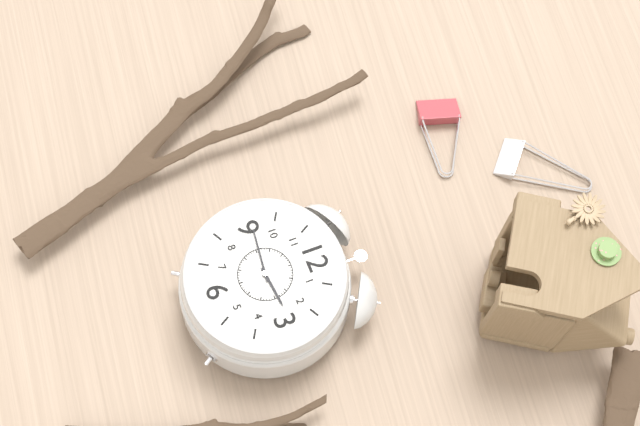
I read 2.46
